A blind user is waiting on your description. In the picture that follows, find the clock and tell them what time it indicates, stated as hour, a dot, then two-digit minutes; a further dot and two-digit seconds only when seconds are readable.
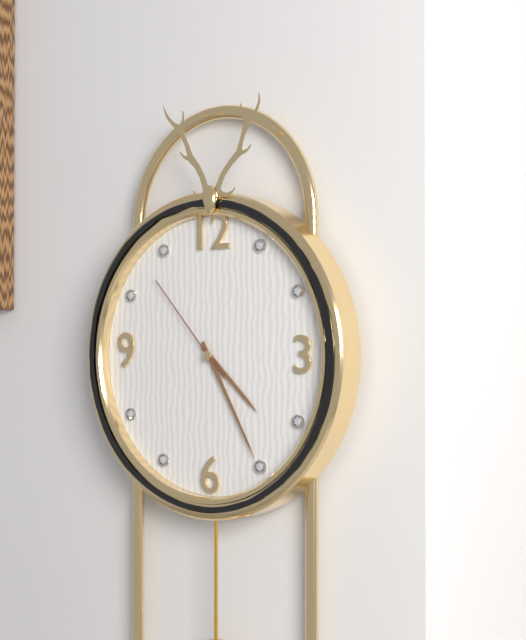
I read 4.25.53
